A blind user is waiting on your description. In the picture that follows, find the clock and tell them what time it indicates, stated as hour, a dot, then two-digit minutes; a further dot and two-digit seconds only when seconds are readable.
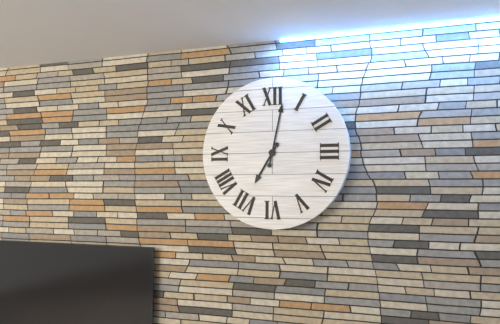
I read 7.02
